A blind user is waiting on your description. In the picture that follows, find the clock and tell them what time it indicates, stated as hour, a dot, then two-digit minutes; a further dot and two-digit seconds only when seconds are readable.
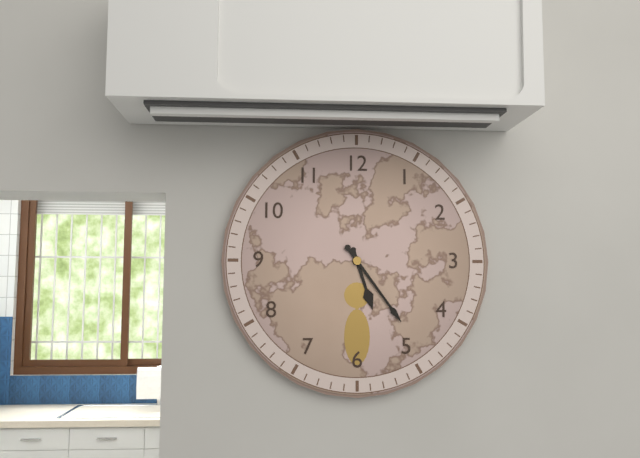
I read 5.24
